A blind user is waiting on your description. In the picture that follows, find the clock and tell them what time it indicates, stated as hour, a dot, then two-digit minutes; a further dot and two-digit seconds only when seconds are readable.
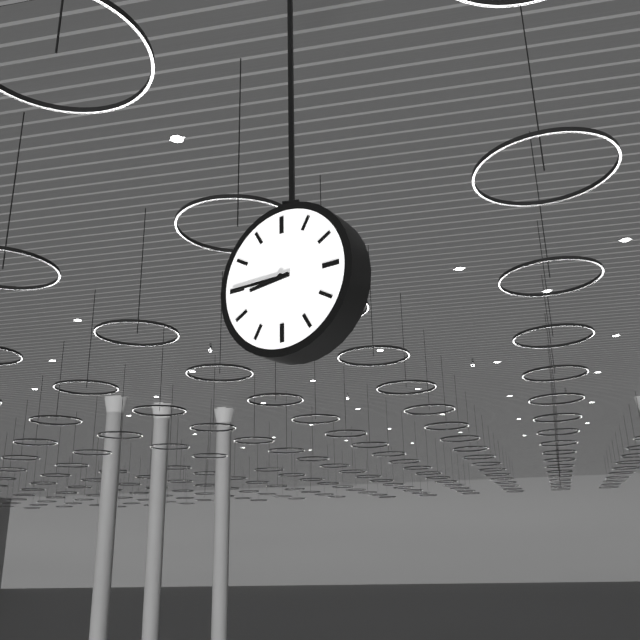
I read 8.45
